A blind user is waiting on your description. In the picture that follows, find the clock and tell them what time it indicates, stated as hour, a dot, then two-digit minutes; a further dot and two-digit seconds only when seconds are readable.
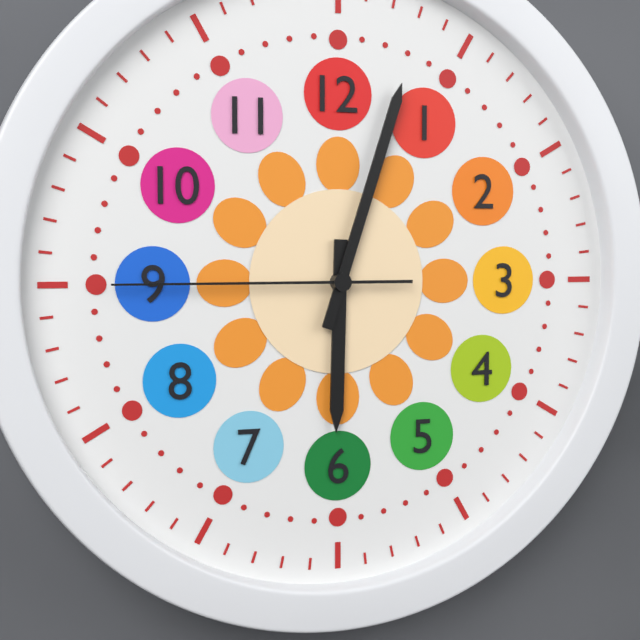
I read 6.03.45
